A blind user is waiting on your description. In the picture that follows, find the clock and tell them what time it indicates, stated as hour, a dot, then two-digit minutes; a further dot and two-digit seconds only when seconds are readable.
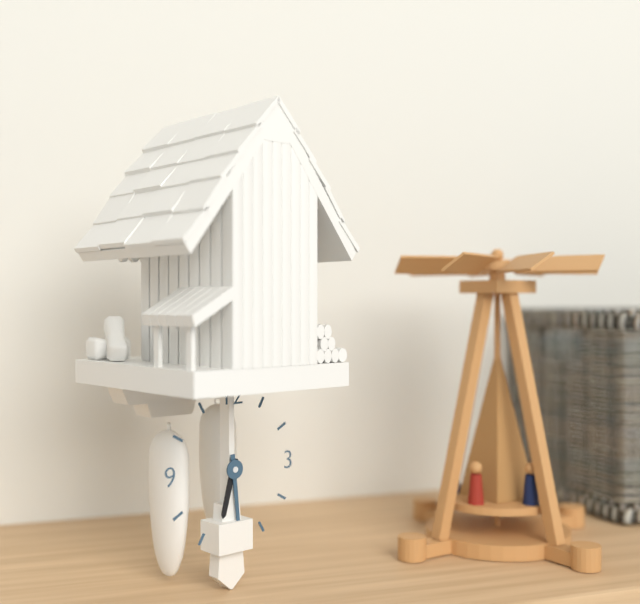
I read 6.29
